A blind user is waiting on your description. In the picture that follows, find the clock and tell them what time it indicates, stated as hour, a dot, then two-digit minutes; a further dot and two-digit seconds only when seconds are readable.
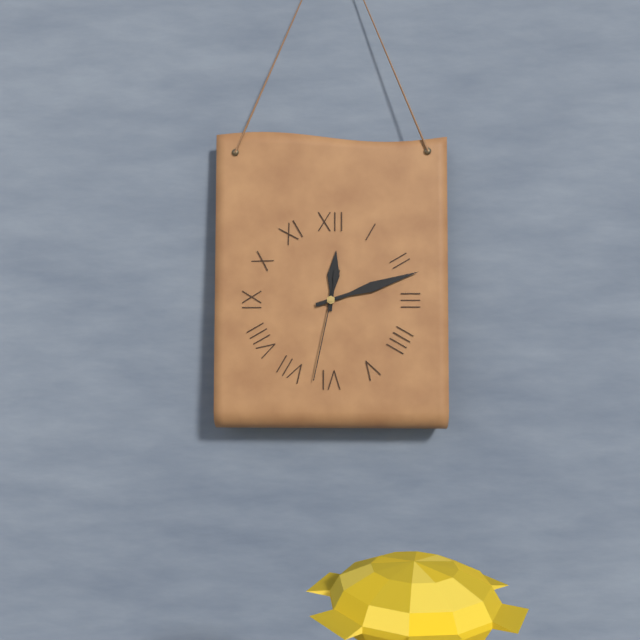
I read 12.12.32
